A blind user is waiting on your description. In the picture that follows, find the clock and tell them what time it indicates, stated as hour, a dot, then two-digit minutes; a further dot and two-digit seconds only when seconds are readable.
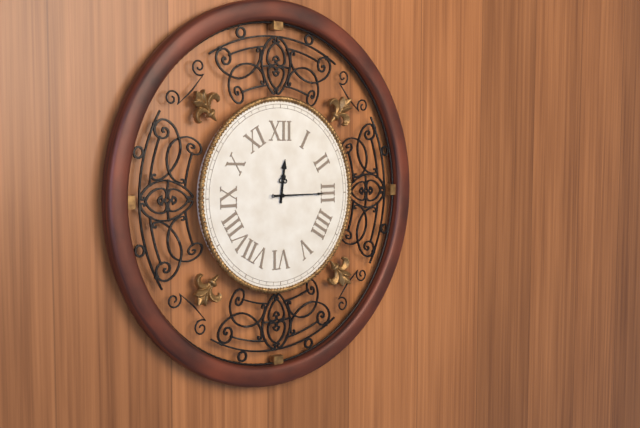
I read 12.15
